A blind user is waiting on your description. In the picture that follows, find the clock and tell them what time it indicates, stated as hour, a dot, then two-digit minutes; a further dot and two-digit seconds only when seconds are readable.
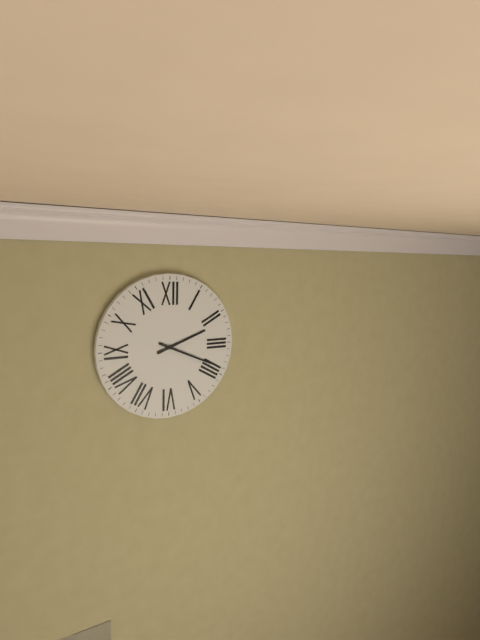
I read 2.19
